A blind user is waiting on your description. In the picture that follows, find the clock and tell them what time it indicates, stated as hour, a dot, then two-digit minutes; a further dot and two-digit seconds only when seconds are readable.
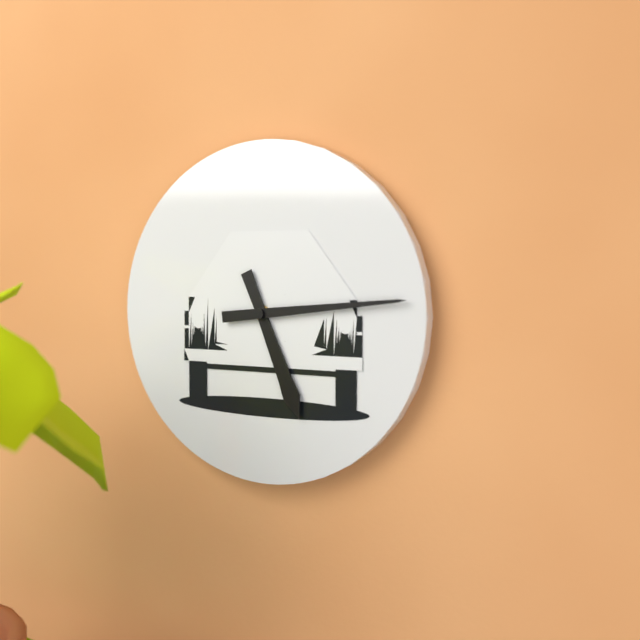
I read 5.14
